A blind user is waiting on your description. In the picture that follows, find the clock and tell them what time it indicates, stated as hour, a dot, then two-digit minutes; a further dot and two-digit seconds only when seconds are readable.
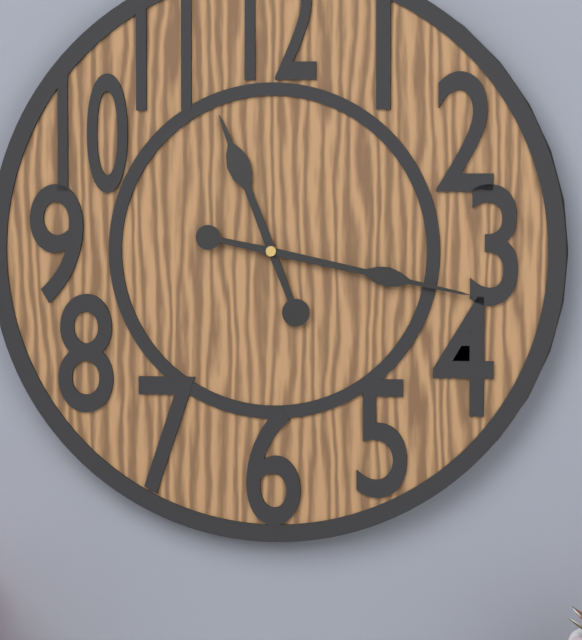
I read 11.17
